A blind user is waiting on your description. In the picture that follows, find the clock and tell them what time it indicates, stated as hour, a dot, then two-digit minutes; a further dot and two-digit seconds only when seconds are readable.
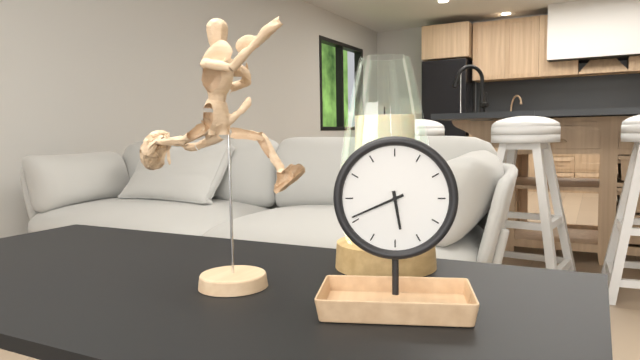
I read 5.41
